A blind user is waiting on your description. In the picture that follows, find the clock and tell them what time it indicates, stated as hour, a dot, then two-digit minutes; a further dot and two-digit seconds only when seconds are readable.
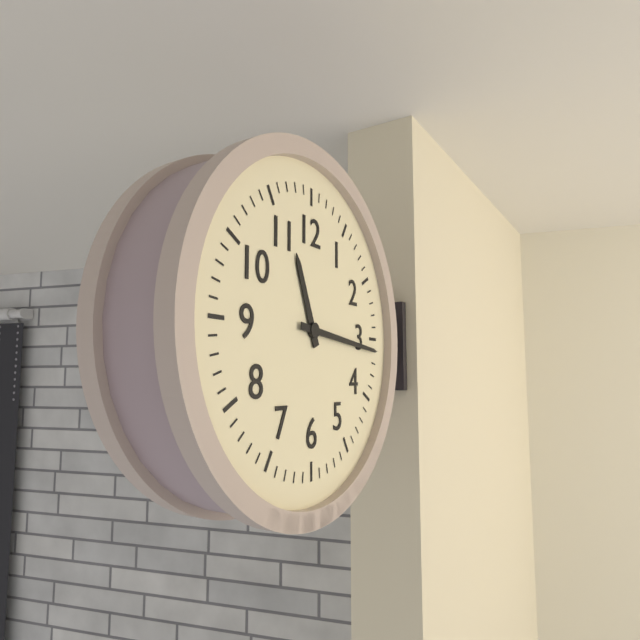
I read 11.16
